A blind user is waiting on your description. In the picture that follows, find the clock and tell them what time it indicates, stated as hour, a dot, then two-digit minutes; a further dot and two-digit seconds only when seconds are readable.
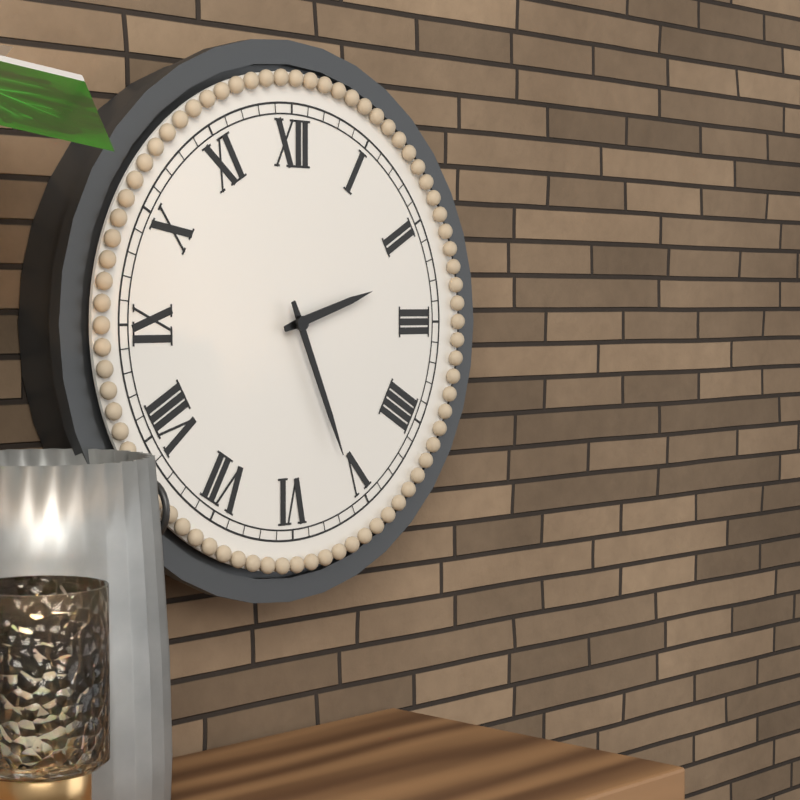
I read 2.26
